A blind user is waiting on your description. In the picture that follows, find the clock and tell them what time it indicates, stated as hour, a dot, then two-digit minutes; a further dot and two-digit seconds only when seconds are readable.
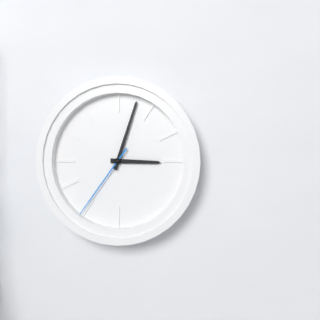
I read 3.03.36
